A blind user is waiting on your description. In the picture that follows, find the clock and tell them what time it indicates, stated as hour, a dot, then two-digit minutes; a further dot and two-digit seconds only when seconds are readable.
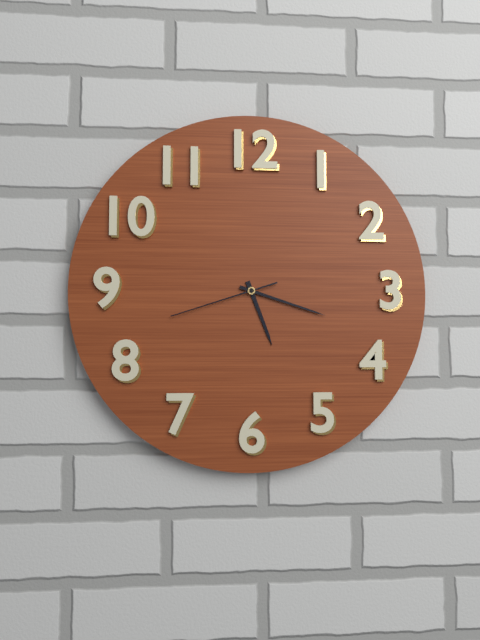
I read 5.18.42
